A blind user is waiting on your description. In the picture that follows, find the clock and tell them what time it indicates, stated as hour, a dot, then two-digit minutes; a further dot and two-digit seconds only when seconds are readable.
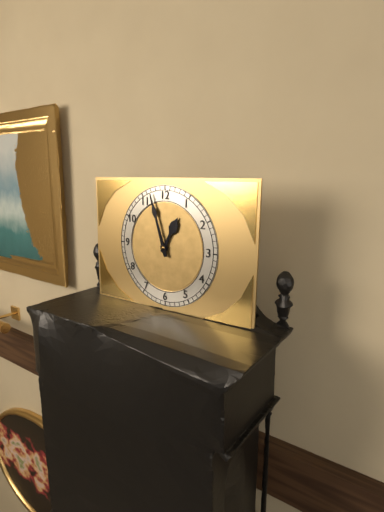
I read 12.57
